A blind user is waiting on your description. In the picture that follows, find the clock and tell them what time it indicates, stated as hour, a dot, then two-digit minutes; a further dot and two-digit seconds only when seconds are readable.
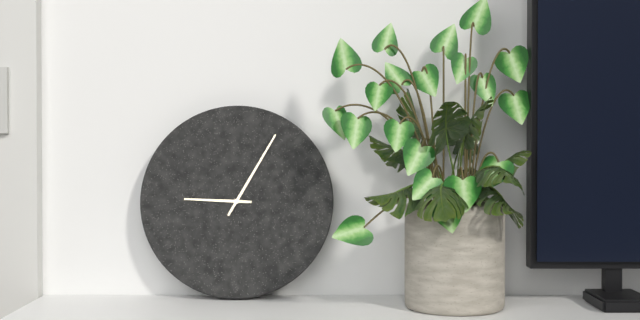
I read 9.05
